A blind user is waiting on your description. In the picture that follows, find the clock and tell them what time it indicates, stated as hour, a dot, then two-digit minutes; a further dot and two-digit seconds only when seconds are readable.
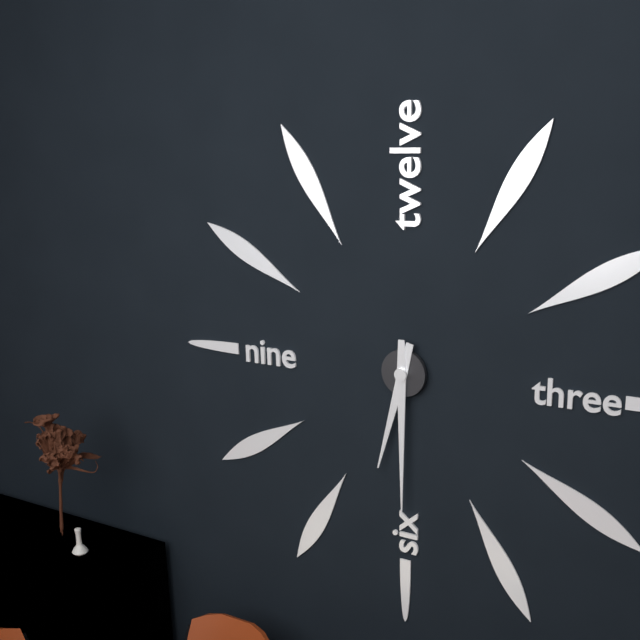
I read 6.30
